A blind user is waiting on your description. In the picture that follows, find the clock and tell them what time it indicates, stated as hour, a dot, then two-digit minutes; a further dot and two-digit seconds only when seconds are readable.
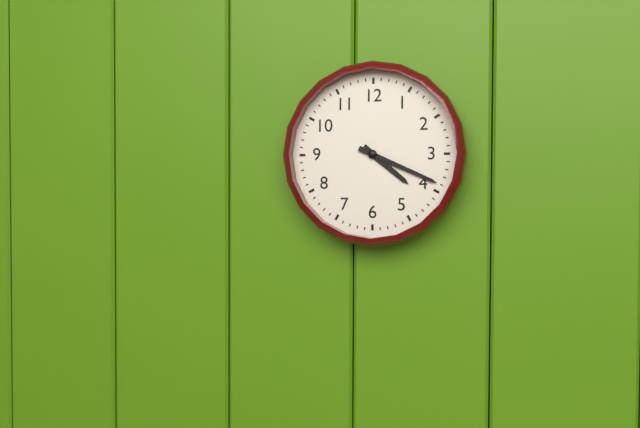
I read 4.19
